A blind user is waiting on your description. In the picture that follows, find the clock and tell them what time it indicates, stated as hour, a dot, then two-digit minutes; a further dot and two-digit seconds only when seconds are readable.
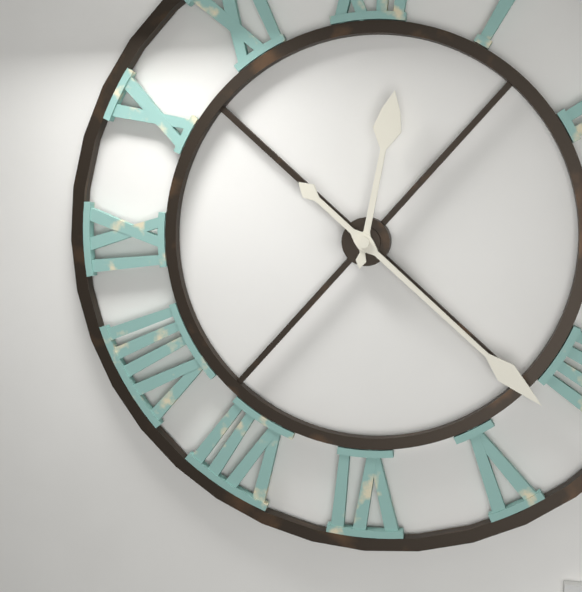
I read 12.22
